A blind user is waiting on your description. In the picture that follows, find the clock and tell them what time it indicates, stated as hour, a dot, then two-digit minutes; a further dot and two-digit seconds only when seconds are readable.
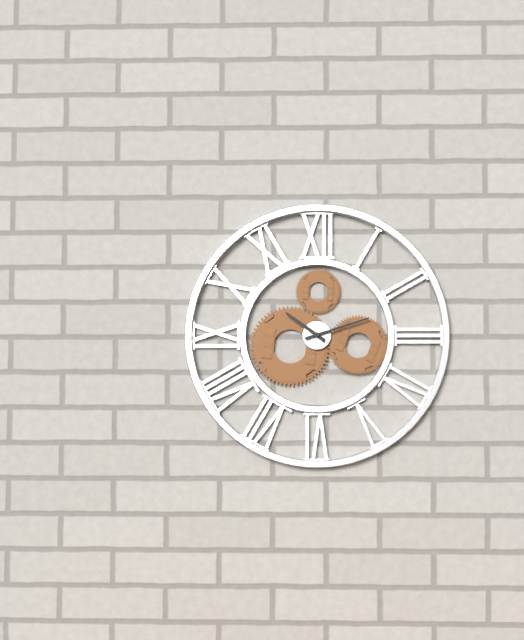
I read 10.12
